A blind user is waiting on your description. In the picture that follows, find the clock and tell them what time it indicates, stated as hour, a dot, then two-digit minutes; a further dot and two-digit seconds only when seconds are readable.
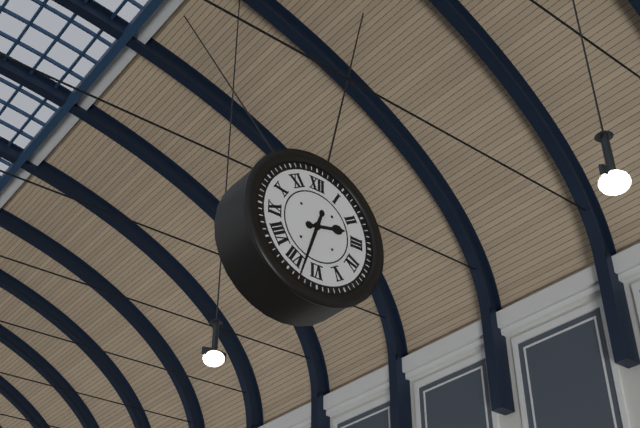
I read 2.33
